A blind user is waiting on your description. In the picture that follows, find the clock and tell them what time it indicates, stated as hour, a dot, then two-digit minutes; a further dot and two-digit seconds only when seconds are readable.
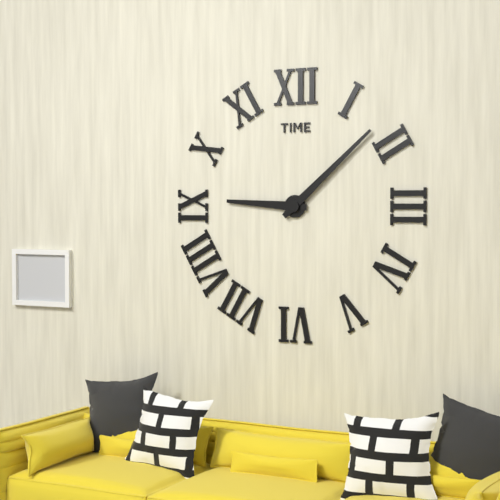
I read 9.08
